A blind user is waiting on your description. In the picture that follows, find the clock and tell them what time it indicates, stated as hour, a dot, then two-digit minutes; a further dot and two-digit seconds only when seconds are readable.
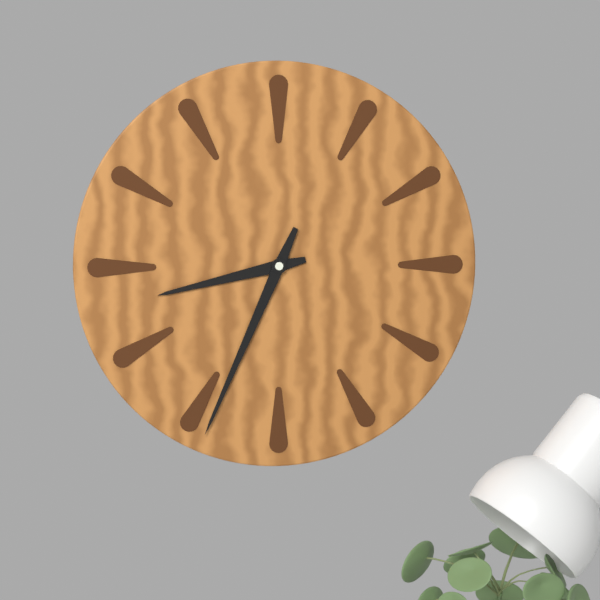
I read 8.34
